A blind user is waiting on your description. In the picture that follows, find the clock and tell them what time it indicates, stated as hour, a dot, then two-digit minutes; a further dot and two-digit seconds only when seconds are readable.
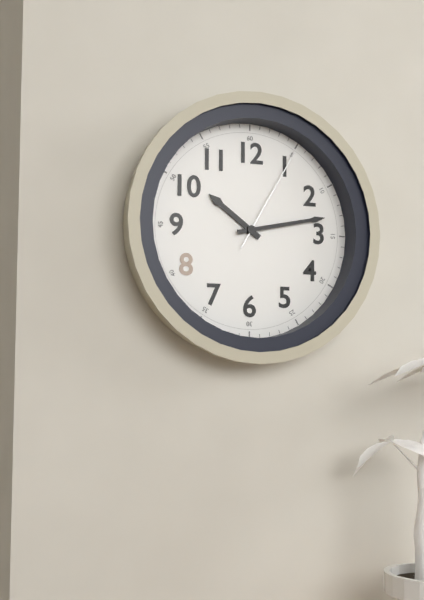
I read 10.13.05
